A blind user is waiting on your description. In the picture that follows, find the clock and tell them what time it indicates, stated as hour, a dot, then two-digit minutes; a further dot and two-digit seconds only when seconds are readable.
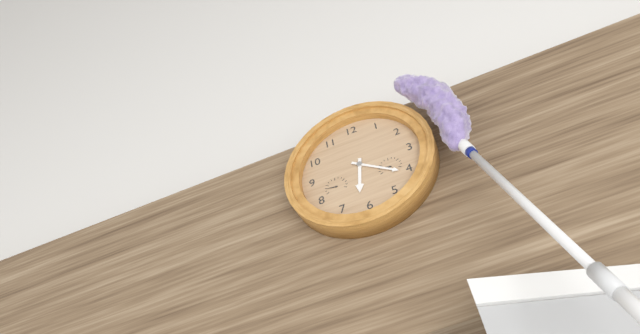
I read 6.21
